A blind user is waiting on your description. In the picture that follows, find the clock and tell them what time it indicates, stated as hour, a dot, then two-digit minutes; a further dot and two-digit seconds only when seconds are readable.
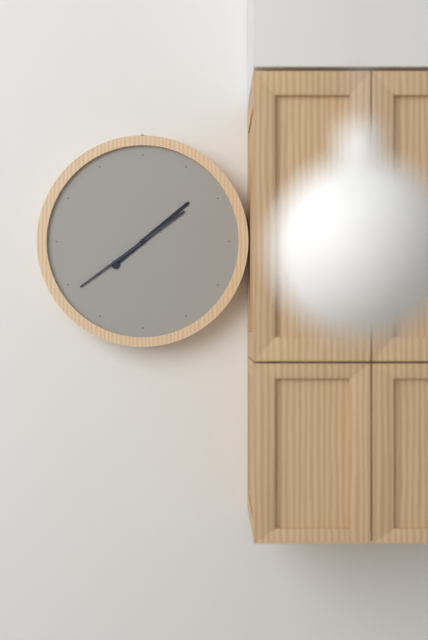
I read 1.39
